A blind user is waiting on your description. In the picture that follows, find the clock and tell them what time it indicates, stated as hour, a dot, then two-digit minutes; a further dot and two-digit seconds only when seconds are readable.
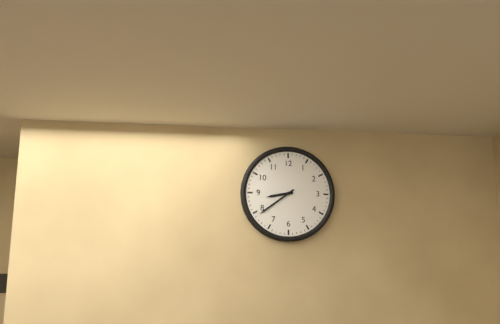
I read 8.39
